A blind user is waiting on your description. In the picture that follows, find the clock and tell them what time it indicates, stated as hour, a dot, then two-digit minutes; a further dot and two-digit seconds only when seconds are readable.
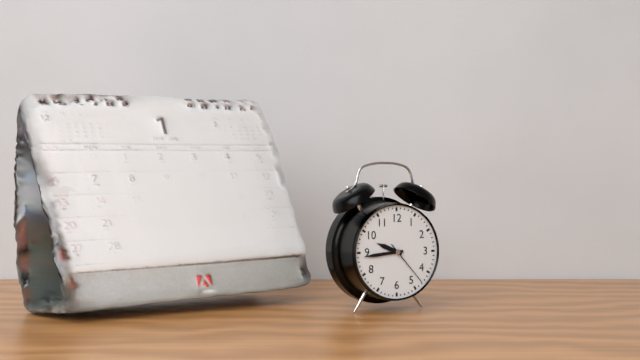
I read 9.44
